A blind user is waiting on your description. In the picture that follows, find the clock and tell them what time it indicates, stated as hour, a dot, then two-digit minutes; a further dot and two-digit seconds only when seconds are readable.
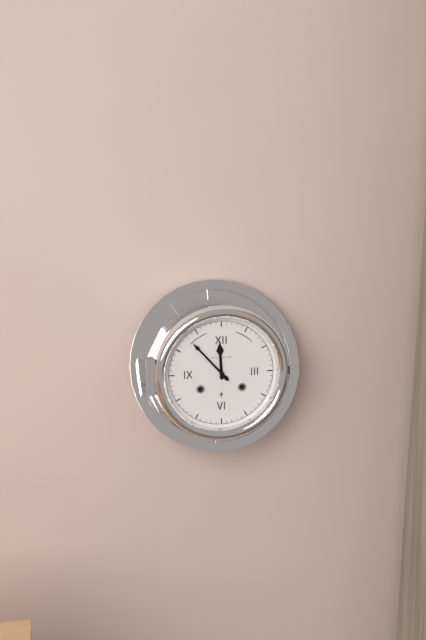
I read 11.53
